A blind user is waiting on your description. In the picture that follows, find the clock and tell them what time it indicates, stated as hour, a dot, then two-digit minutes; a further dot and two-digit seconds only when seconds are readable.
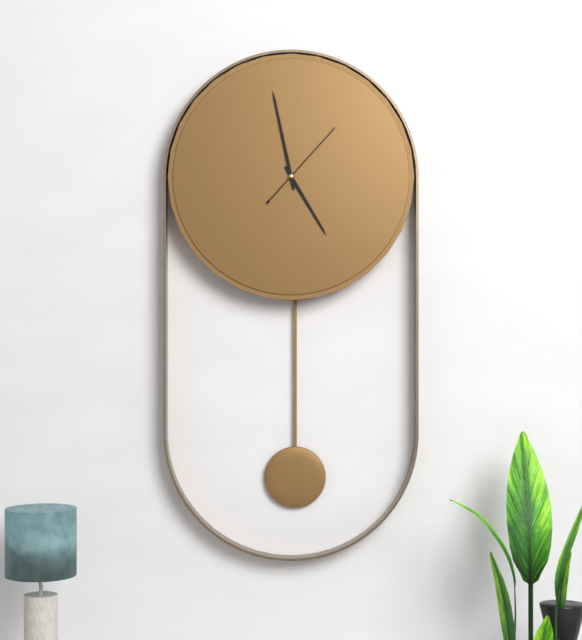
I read 4.58.07
